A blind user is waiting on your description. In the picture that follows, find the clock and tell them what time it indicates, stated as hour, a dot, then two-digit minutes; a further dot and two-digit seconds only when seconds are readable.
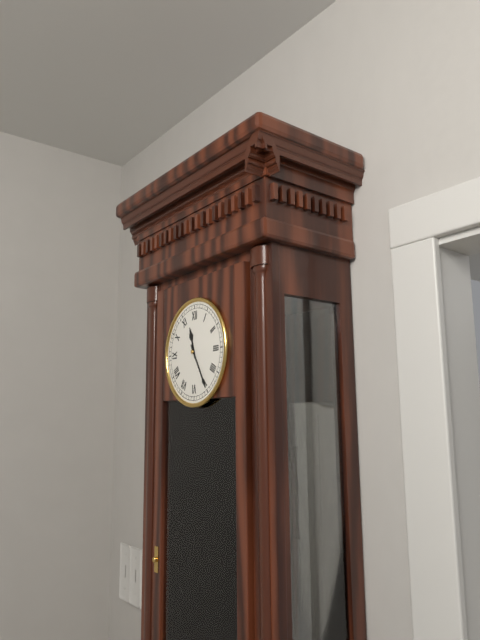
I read 11.25
